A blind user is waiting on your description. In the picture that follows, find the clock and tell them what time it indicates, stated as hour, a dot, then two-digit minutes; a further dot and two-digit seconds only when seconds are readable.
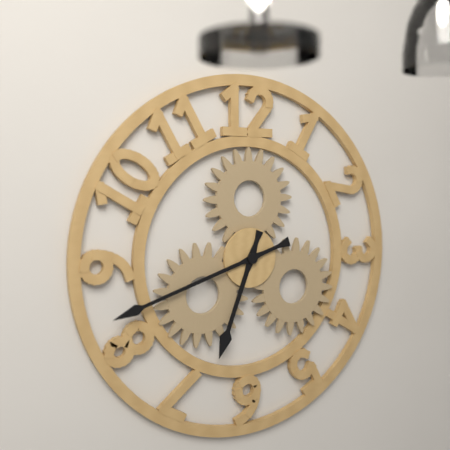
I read 6.42
